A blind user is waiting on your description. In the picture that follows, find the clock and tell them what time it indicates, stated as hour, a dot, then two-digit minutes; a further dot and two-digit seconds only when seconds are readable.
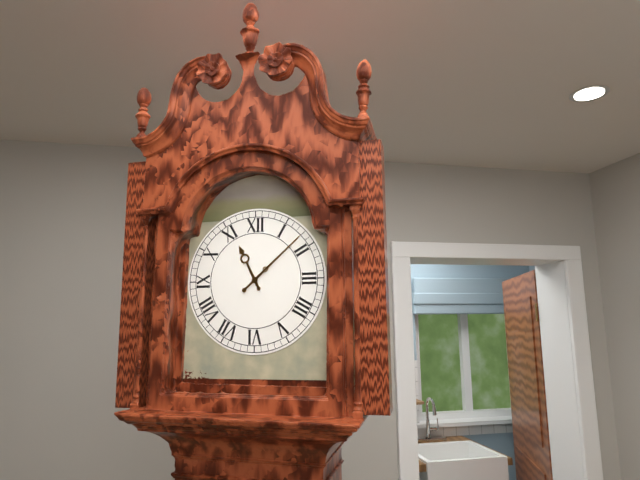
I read 11.08
